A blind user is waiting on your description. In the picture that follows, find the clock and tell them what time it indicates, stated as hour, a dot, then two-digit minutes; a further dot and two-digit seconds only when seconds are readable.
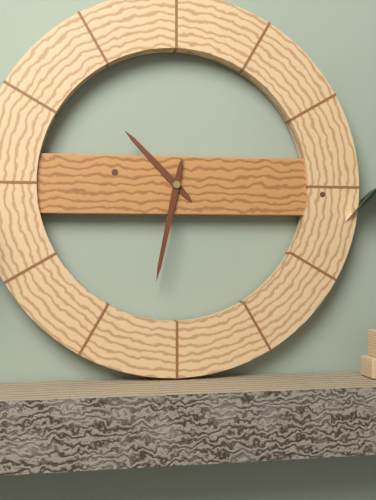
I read 10.32
